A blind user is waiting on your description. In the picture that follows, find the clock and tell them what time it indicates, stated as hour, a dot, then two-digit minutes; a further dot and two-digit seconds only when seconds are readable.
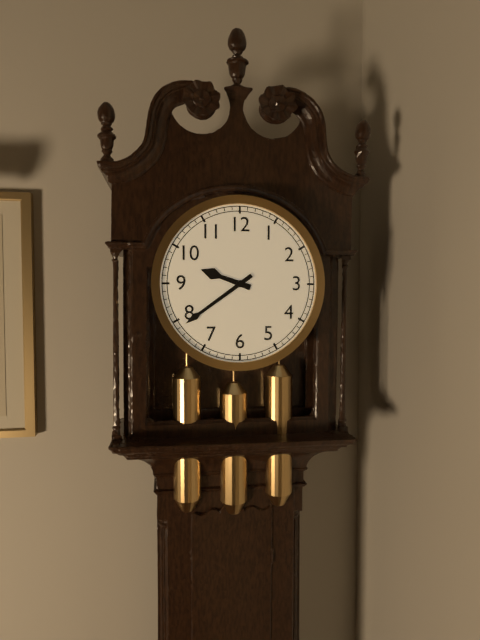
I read 9.39
